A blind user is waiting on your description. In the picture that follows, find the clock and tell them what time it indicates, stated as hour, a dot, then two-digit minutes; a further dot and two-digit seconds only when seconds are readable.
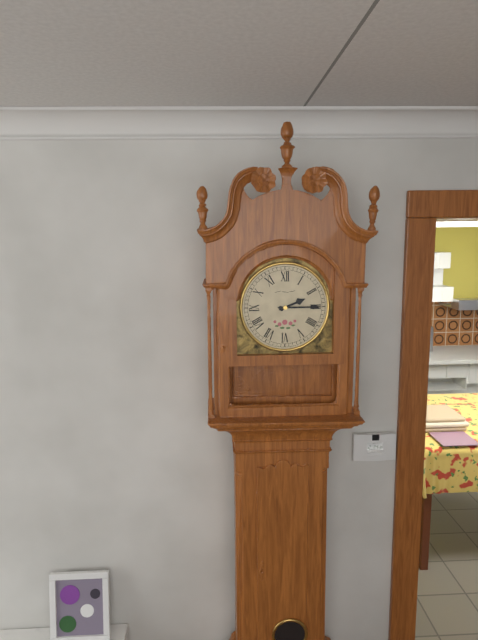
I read 2.15
